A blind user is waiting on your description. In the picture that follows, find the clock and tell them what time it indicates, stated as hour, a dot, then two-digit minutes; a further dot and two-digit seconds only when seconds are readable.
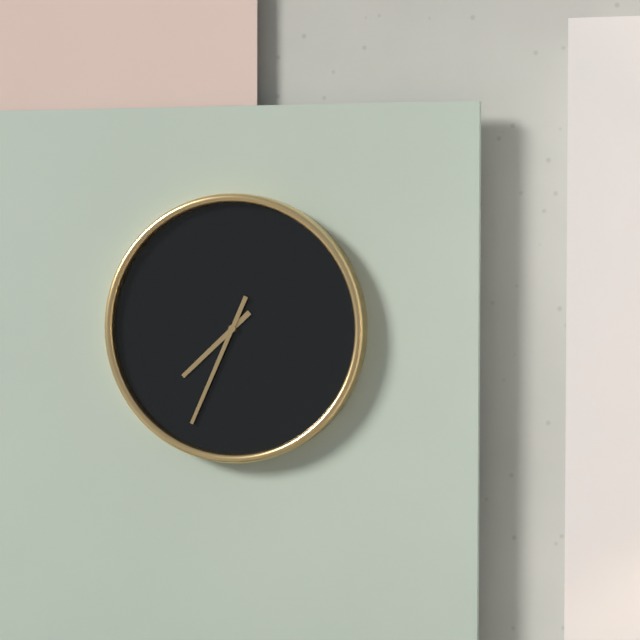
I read 7.34
